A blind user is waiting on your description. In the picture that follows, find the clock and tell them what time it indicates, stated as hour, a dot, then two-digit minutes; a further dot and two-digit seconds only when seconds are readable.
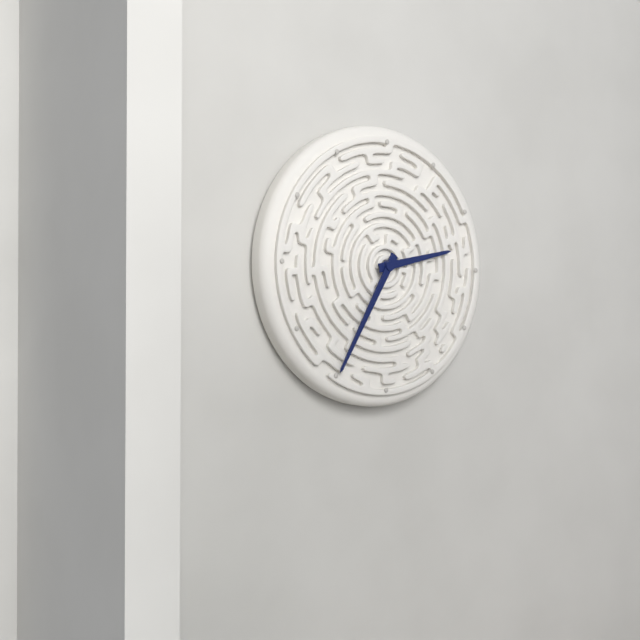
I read 2.35
